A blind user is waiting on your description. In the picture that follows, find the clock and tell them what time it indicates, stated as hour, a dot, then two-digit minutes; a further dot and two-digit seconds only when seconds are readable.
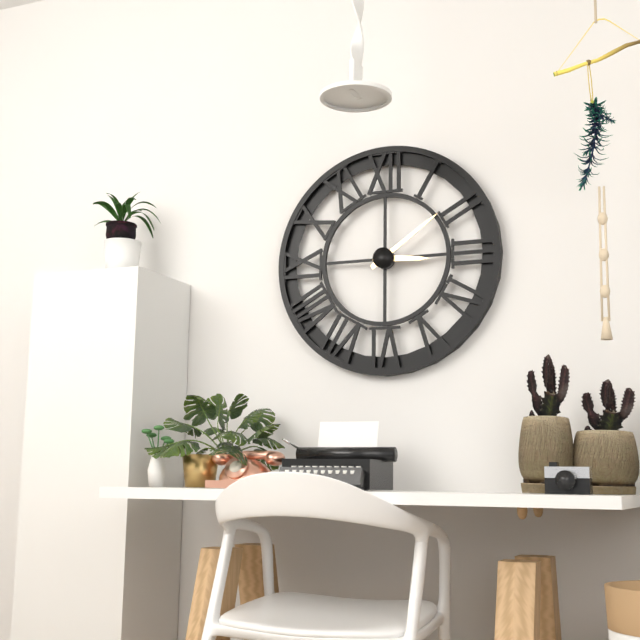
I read 3.09
